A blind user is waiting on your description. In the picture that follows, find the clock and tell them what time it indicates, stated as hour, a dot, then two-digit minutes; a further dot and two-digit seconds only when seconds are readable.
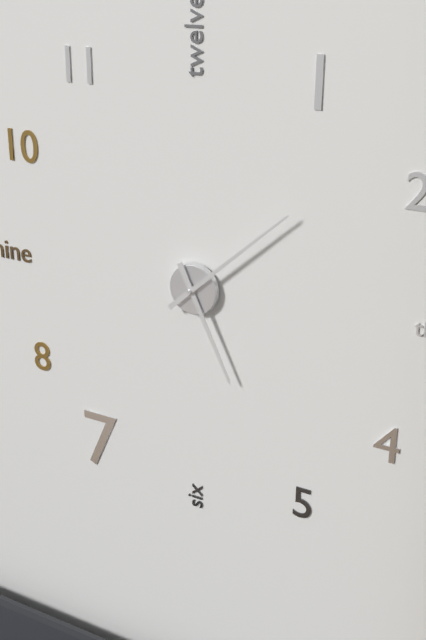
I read 5.08
